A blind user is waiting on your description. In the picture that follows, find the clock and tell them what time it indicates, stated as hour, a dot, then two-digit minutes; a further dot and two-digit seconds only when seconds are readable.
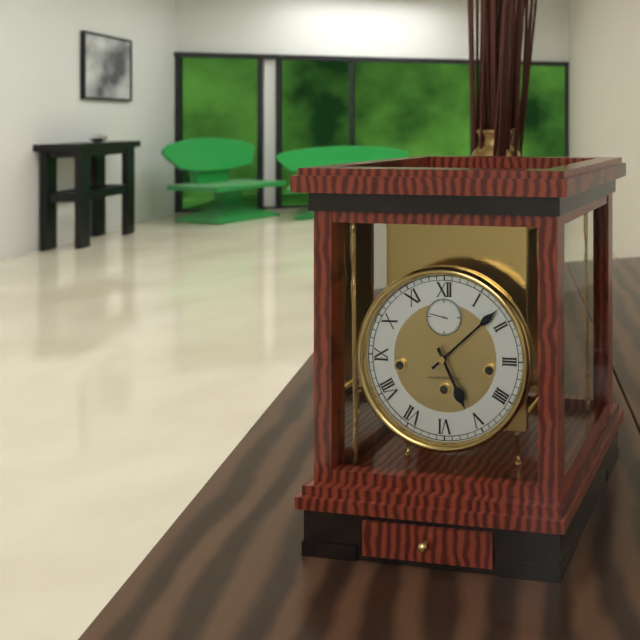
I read 5.08
